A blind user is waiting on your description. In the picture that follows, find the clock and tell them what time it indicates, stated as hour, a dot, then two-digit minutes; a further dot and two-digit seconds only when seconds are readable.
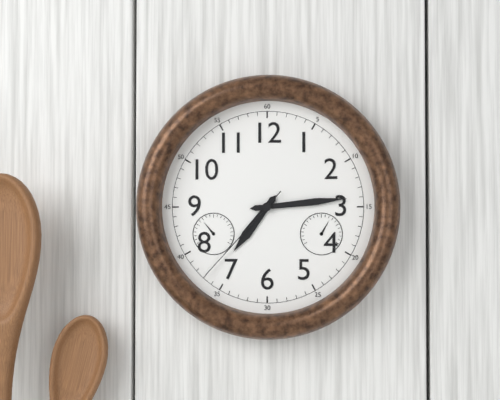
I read 7.14.37
